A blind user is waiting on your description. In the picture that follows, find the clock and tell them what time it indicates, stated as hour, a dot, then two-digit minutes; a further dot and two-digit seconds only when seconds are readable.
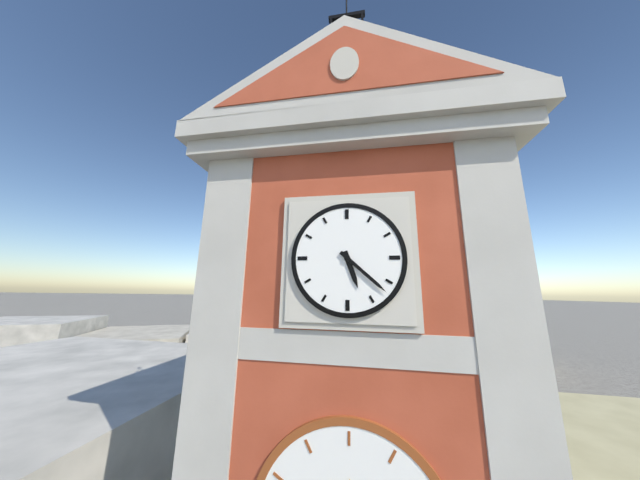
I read 5.22
